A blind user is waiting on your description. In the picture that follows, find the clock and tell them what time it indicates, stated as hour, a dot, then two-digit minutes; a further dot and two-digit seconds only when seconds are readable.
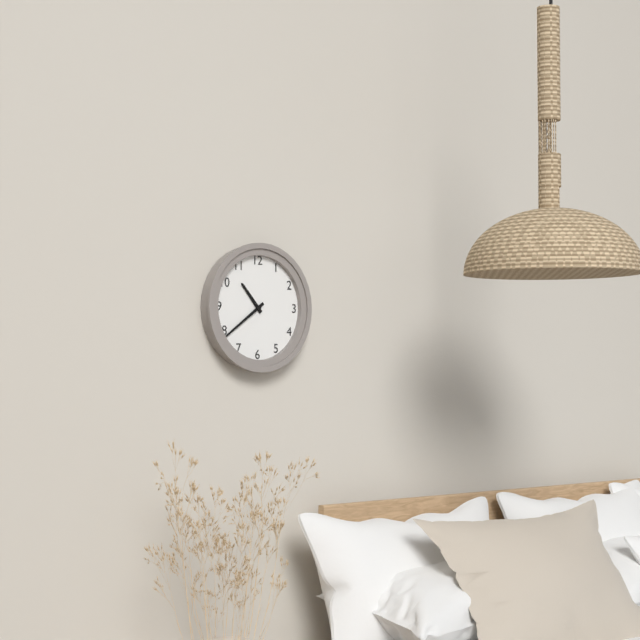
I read 10.39
